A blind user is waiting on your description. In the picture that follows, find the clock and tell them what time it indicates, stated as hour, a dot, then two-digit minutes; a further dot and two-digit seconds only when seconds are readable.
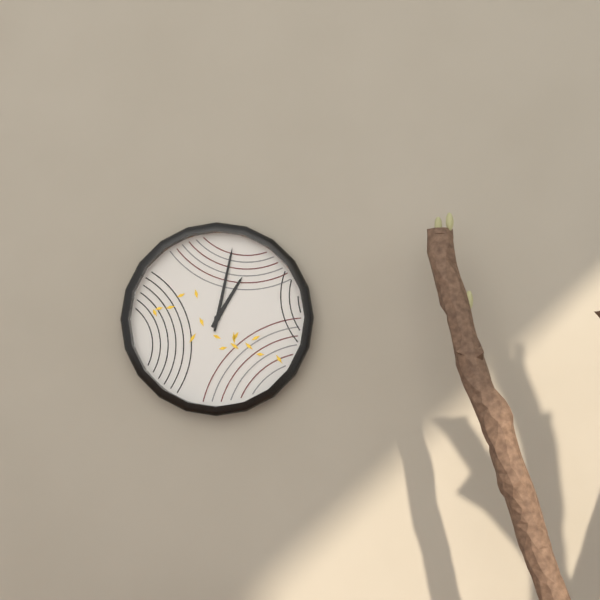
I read 1.02
